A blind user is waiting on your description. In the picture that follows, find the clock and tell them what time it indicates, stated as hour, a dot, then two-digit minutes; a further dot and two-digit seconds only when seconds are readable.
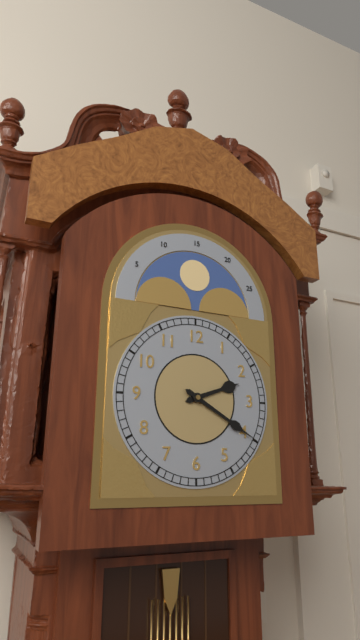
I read 2.20
